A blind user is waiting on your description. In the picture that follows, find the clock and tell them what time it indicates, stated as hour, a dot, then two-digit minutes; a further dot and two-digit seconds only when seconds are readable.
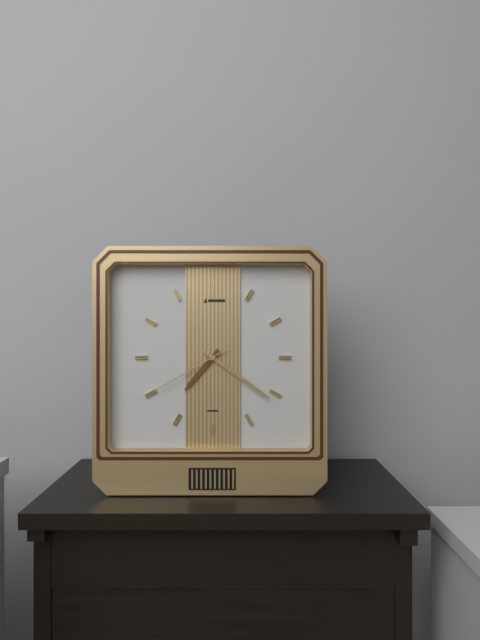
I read 7.21.40
